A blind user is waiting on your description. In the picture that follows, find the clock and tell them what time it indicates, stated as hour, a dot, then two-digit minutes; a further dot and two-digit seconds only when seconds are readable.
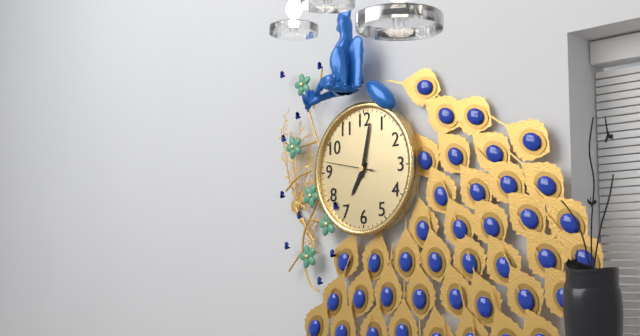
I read 7.02
